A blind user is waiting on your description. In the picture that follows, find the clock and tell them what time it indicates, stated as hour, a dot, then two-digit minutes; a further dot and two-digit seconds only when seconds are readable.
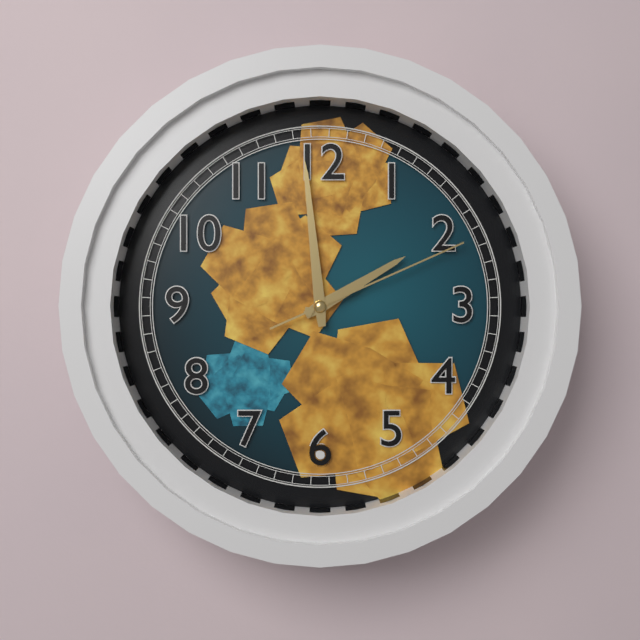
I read 1.59.11
